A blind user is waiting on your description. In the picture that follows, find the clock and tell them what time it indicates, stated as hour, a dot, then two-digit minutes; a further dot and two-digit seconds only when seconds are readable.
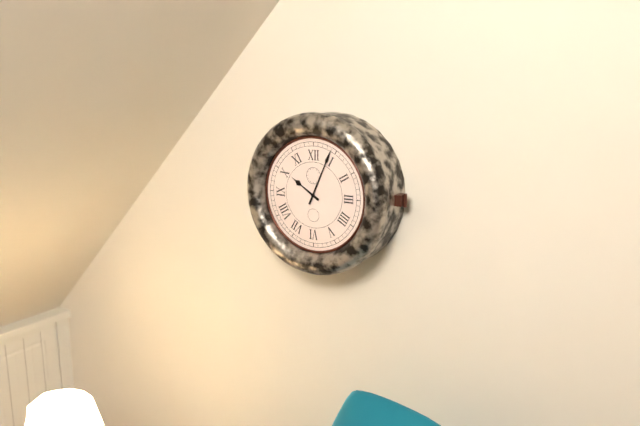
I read 10.04
